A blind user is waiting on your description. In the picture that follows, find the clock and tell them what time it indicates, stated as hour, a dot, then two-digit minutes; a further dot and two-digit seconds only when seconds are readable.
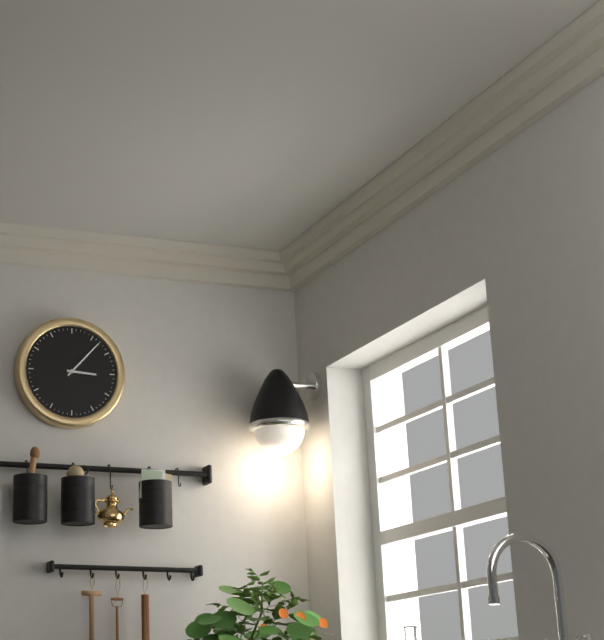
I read 3.07
